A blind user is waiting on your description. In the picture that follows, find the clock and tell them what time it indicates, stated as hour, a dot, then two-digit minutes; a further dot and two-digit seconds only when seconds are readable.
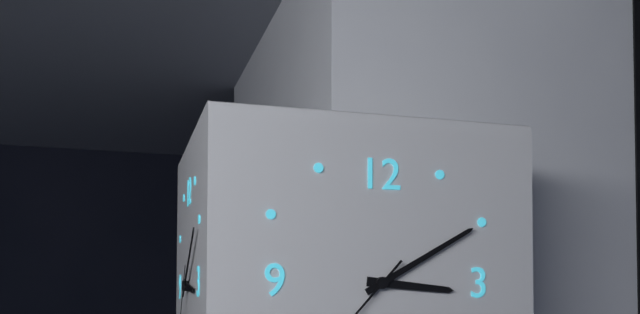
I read 3.10
